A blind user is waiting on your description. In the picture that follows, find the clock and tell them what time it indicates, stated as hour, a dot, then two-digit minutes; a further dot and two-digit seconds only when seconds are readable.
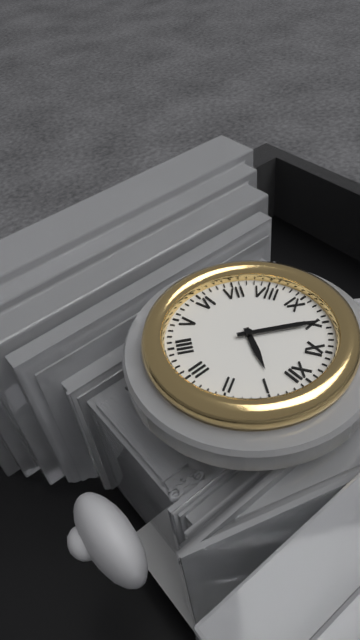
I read 12.50
